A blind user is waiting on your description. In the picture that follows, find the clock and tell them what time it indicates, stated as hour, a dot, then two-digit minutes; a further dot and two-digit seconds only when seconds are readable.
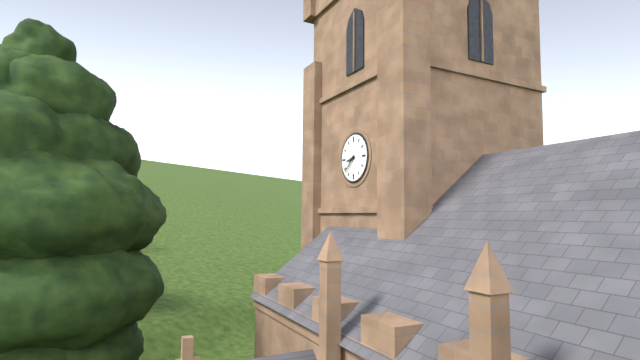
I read 8.38
